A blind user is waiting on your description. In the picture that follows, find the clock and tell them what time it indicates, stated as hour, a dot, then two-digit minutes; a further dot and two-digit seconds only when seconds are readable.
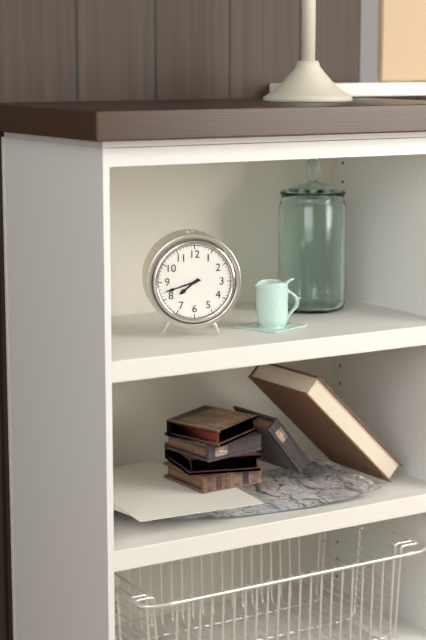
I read 7.42
